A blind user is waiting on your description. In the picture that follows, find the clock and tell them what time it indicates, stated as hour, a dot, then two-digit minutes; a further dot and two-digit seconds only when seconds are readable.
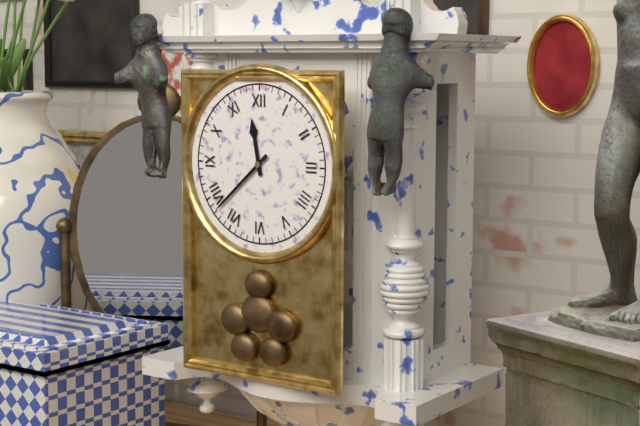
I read 11.38
